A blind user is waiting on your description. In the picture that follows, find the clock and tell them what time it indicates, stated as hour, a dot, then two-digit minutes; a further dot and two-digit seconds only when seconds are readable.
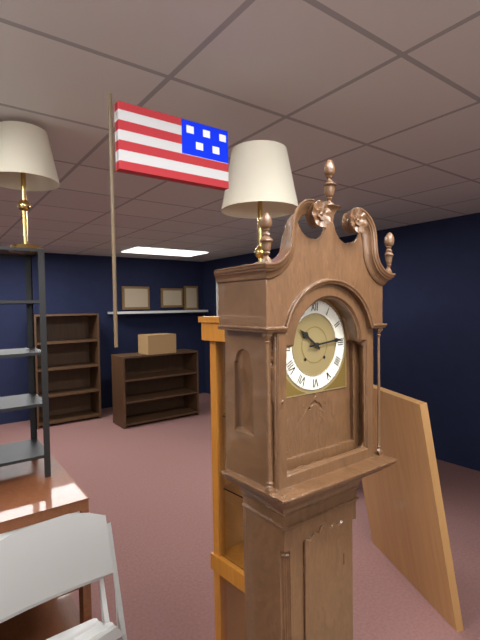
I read 10.14
